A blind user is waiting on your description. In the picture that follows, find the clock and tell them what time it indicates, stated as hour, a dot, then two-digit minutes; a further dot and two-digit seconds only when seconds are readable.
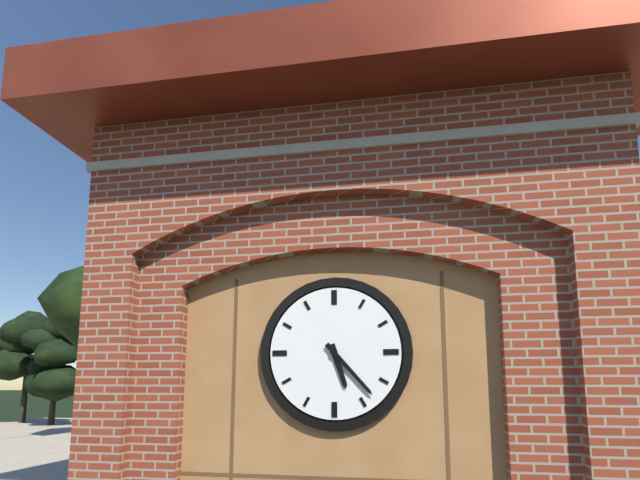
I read 5.23
